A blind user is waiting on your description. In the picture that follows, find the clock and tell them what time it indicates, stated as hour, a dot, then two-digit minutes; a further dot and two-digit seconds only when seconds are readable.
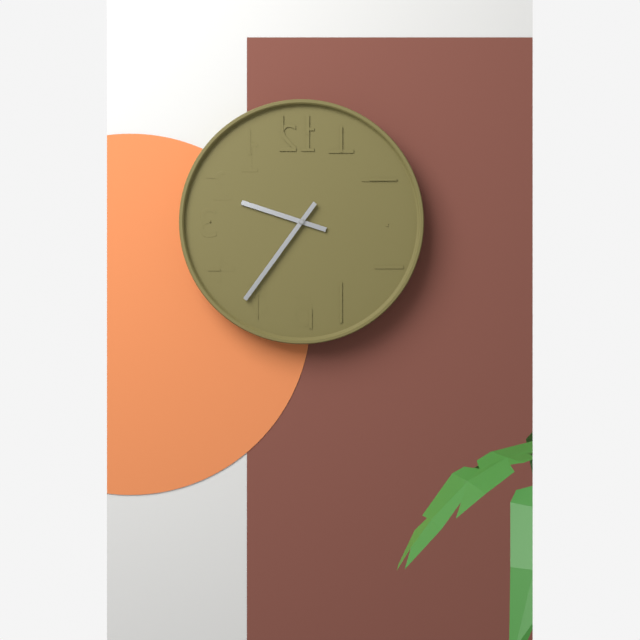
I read 9.36
